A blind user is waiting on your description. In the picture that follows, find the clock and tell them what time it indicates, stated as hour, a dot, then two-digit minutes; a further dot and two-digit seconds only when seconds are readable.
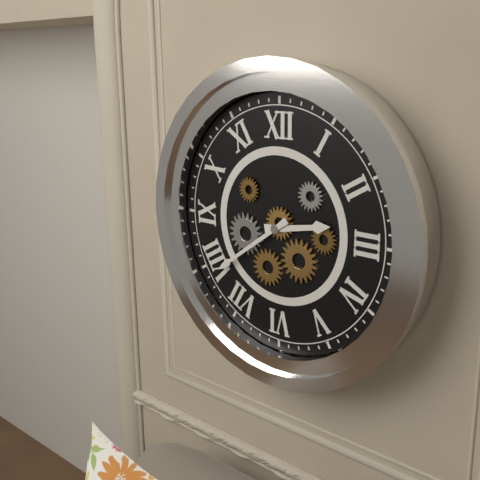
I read 2.39
